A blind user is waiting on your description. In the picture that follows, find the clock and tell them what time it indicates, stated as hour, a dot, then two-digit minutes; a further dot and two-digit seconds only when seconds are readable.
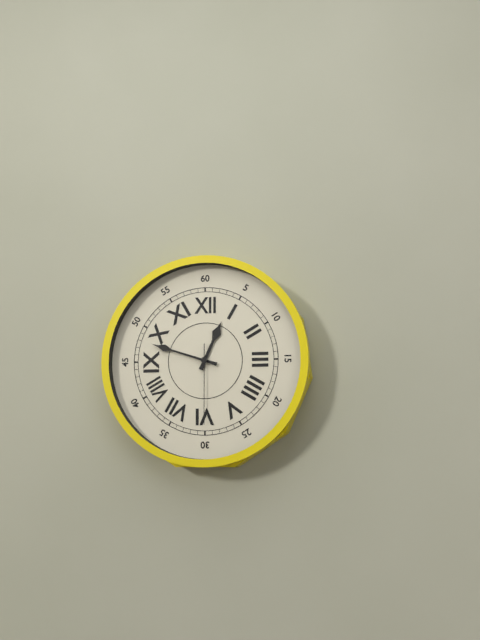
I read 12.48.30
